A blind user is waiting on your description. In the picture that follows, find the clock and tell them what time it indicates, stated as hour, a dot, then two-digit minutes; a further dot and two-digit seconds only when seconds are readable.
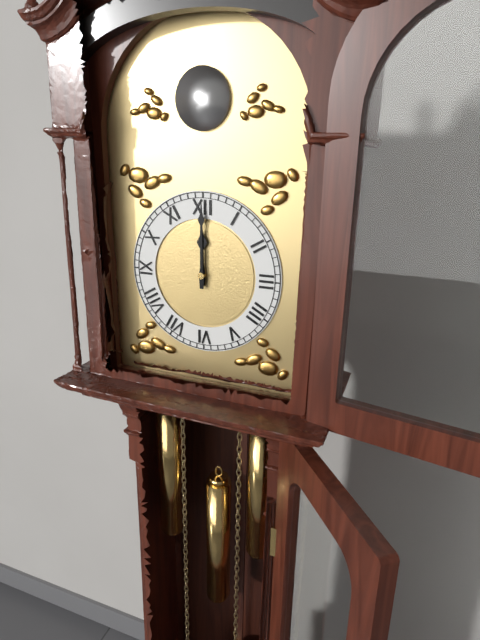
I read 12.00
